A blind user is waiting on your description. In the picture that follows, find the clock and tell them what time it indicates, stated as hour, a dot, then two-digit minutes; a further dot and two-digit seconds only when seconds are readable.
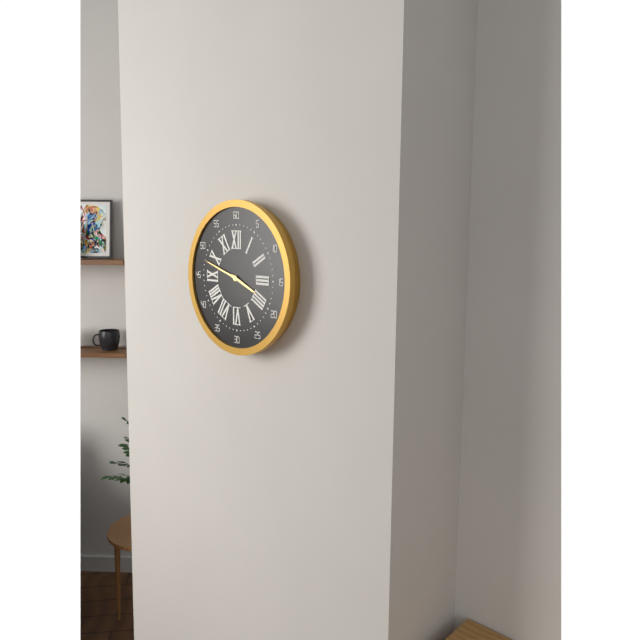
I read 3.48
